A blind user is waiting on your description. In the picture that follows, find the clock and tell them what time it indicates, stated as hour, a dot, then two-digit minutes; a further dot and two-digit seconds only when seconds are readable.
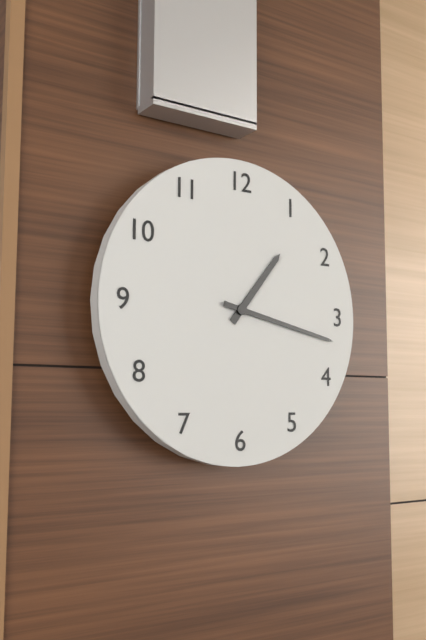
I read 1.17
